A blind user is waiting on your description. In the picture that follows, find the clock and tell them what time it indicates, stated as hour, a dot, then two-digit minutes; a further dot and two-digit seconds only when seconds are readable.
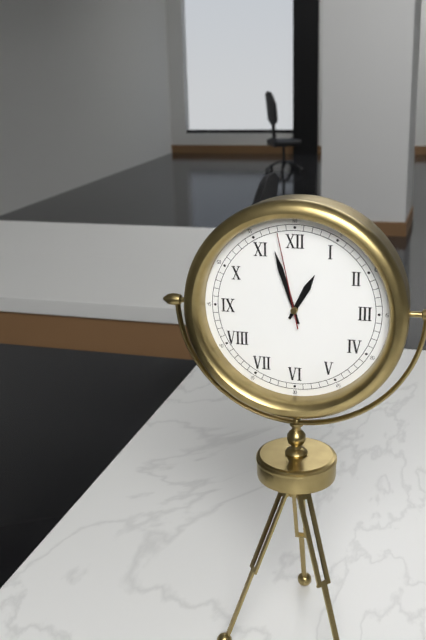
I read 12.57.58
